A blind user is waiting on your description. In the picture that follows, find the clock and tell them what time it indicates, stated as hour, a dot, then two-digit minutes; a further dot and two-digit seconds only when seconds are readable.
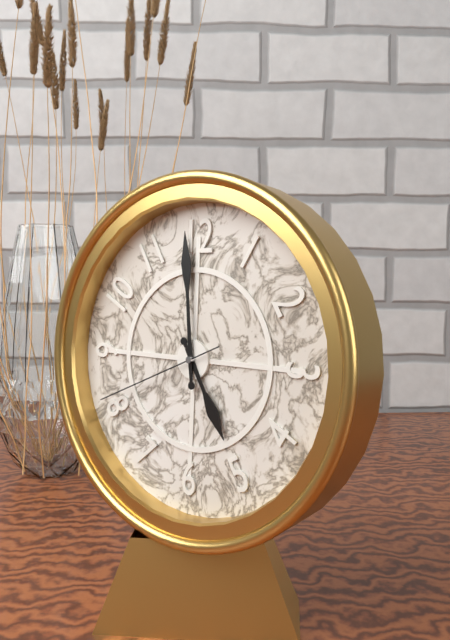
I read 4.59.41
